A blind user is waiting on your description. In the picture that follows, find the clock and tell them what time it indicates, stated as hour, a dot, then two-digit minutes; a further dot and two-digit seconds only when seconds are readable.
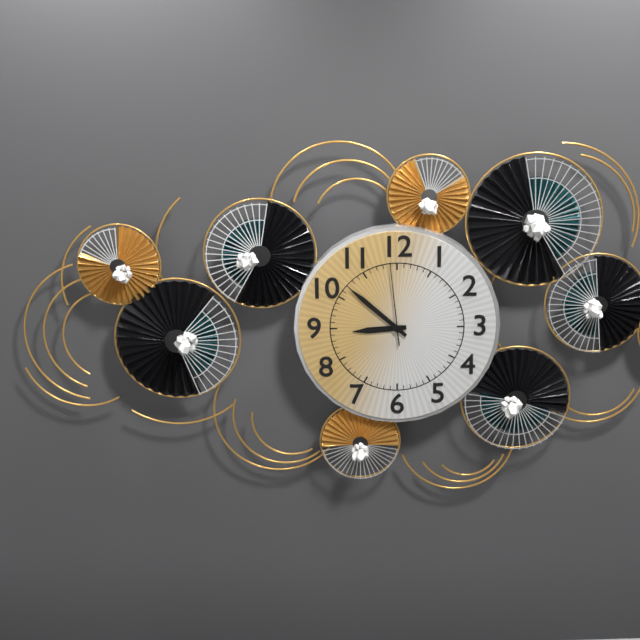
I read 8.52.59
